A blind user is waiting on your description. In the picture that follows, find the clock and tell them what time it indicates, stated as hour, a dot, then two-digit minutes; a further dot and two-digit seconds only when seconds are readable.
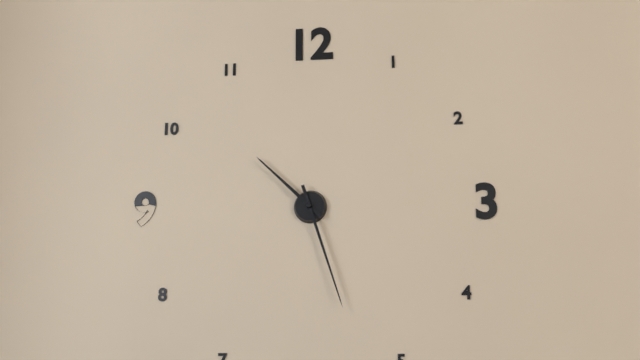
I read 10.27
